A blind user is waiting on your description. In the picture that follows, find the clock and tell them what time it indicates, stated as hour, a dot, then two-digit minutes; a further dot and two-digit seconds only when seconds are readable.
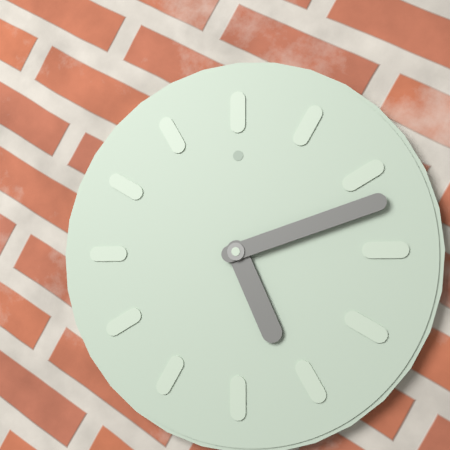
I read 5.12
